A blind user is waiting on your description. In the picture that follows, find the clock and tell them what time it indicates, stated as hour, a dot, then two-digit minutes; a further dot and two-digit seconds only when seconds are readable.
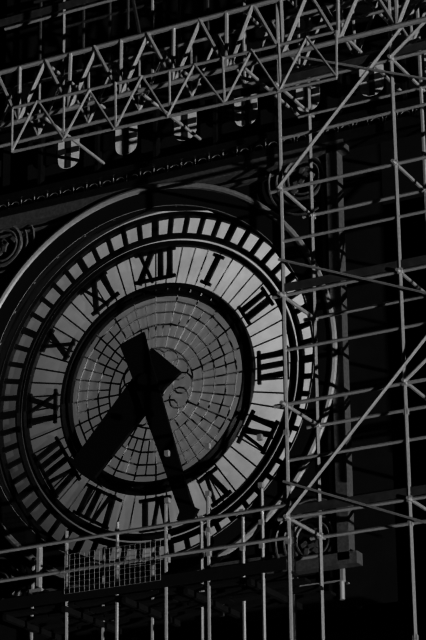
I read 7.27
